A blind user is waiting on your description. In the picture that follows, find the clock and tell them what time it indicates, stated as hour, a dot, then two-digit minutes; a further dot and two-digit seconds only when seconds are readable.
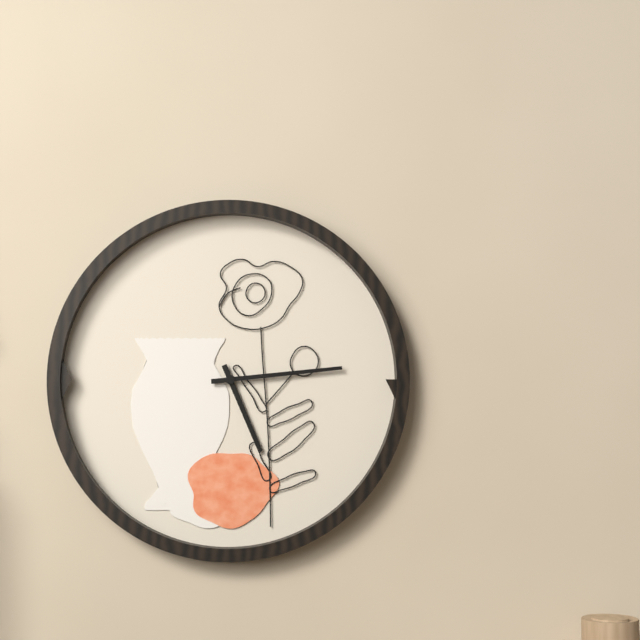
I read 5.14
